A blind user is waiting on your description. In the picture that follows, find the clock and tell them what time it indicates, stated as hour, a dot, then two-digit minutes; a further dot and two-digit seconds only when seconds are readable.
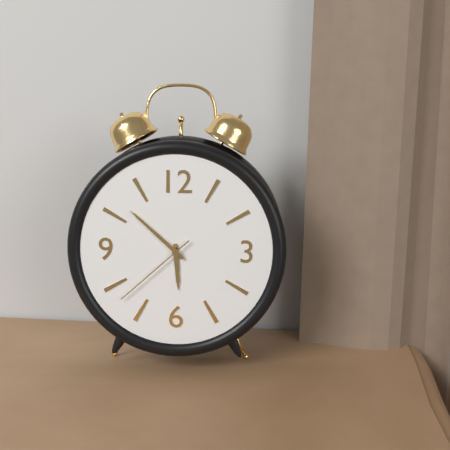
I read 5.52.38
